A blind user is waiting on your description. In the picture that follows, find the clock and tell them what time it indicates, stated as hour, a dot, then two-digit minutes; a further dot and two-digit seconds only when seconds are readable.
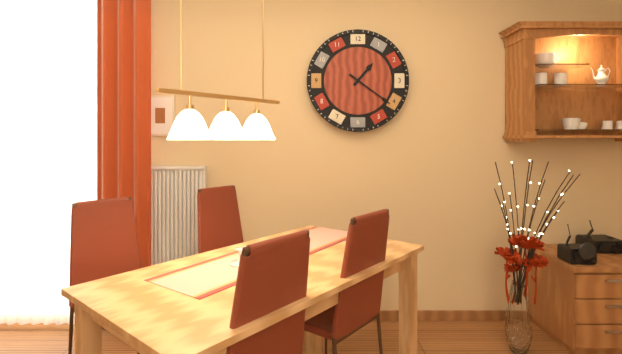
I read 1.21
